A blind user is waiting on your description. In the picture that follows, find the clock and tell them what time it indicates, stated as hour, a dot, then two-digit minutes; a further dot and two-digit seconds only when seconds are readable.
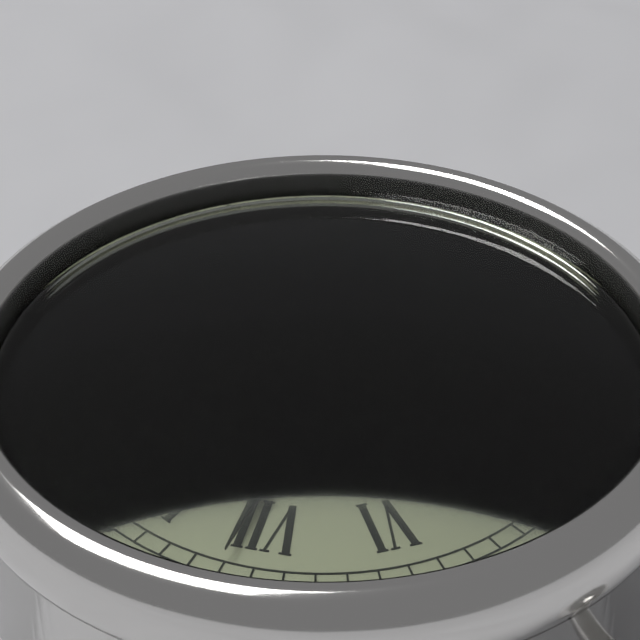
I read 12.36
